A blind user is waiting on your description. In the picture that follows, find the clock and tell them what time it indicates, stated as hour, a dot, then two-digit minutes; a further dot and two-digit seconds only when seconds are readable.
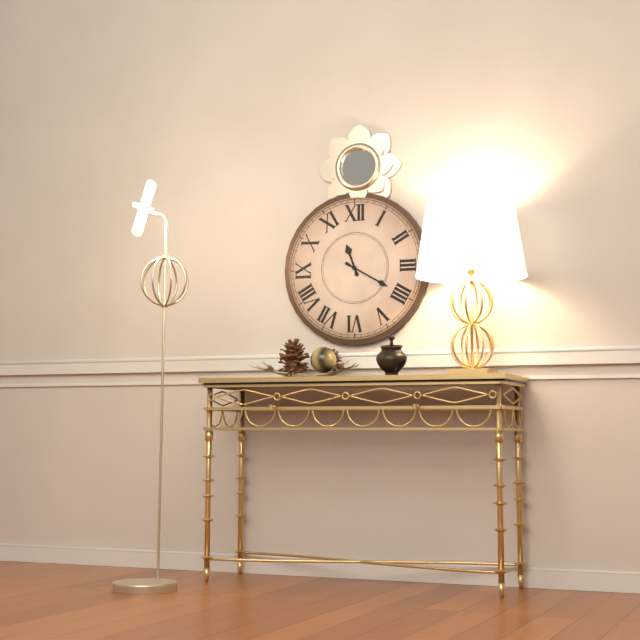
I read 11.20
